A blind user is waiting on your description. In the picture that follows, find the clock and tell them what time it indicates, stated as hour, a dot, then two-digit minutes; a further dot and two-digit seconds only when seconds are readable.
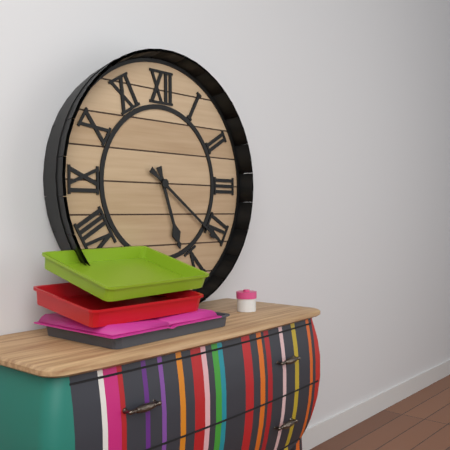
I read 5.21
